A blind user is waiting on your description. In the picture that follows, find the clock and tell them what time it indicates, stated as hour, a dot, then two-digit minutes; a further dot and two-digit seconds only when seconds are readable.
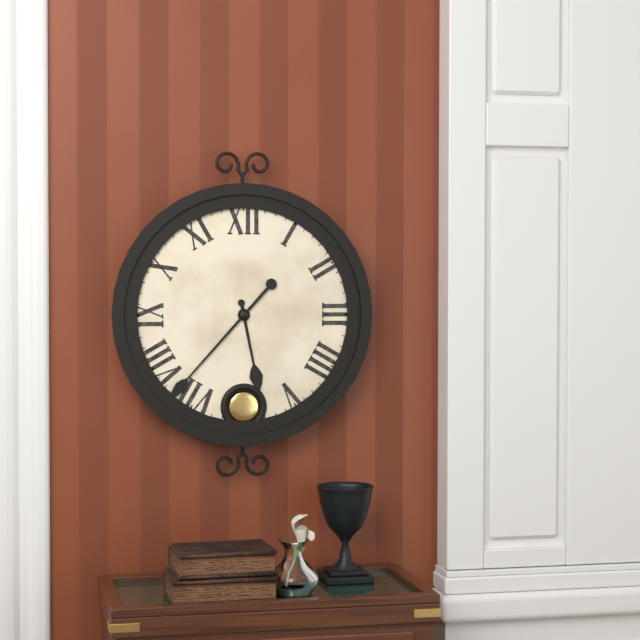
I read 5.37
